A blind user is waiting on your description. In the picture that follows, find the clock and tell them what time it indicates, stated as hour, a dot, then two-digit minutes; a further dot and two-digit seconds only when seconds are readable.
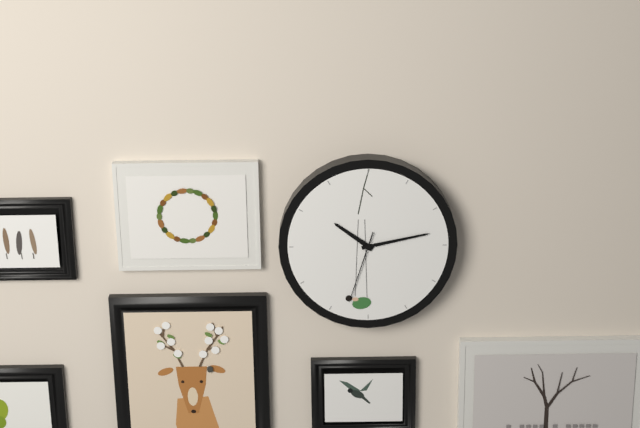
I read 10.13.33
